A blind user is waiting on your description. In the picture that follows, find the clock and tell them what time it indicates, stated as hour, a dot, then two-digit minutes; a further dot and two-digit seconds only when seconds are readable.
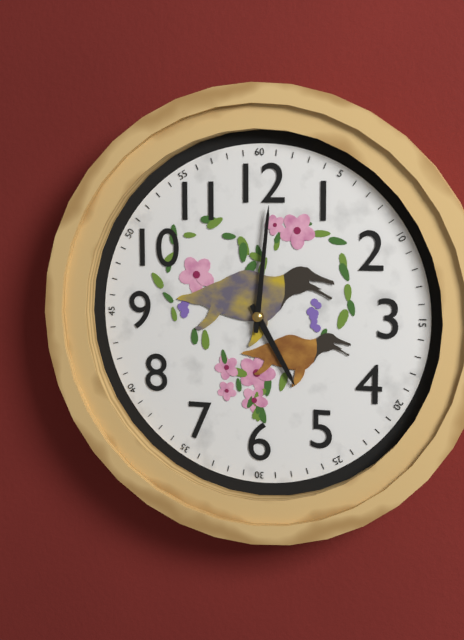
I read 5.01
